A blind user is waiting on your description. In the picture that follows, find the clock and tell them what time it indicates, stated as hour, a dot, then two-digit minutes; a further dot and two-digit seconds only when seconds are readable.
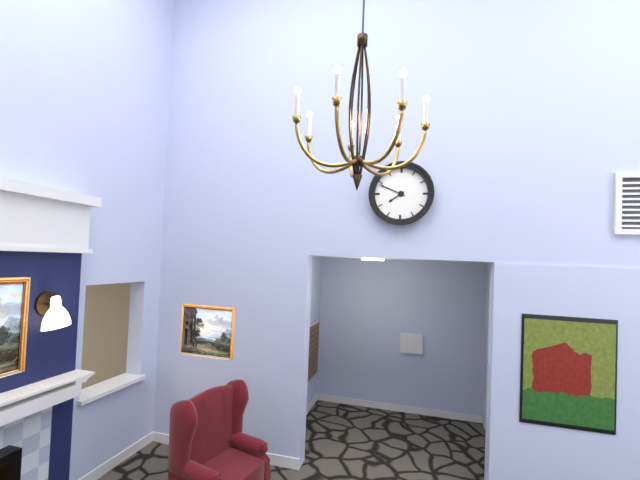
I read 7.49
